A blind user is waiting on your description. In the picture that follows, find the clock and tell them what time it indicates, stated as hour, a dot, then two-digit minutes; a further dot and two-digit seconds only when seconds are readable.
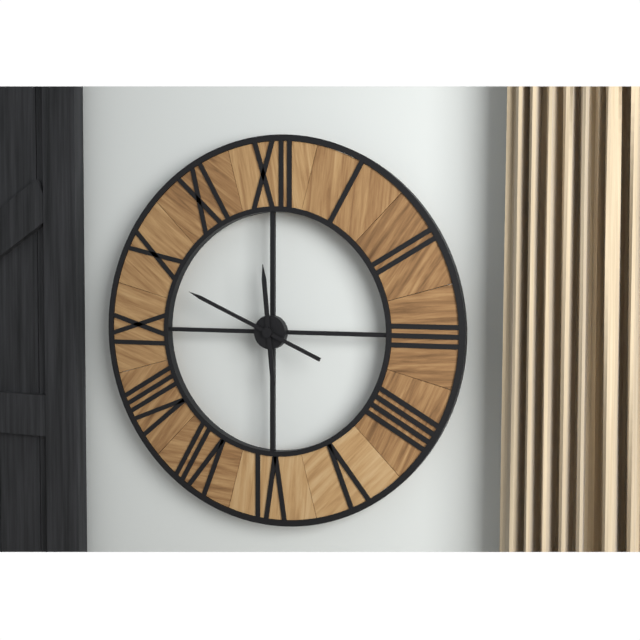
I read 11.49
